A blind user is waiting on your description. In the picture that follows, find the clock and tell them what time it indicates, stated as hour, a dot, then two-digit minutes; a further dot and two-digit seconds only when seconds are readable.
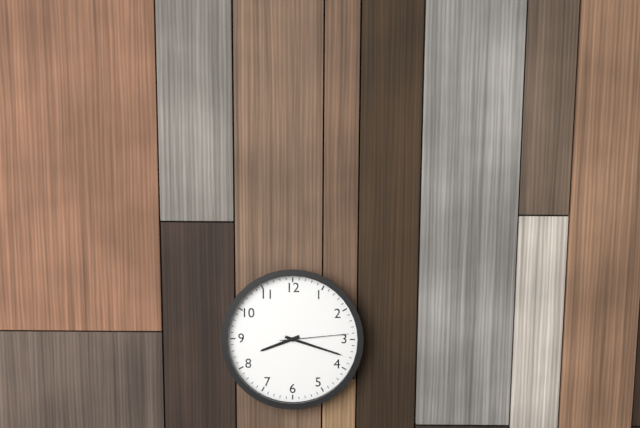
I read 8.18.14
